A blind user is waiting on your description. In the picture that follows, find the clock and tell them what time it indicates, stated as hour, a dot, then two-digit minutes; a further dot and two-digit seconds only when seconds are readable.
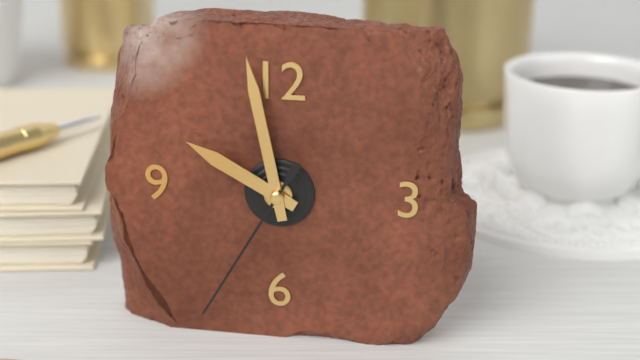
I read 9.58.35
